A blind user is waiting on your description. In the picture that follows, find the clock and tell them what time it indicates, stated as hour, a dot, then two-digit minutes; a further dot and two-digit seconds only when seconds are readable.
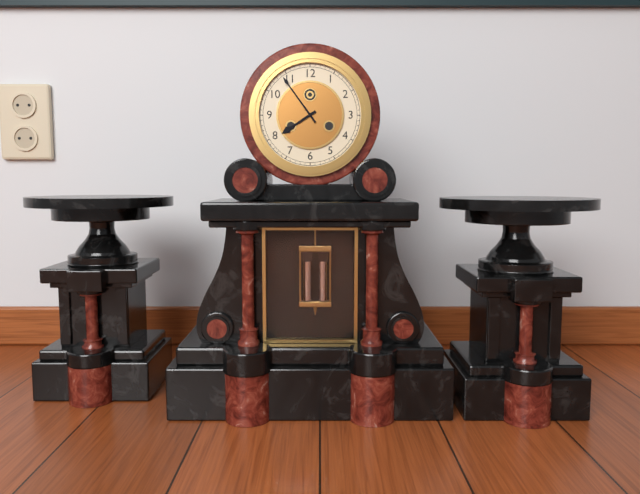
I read 7.54
